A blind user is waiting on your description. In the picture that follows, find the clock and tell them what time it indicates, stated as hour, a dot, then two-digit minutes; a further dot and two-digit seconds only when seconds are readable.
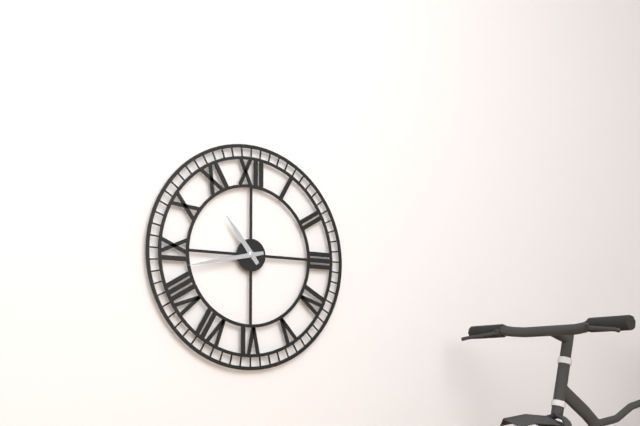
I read 10.43
